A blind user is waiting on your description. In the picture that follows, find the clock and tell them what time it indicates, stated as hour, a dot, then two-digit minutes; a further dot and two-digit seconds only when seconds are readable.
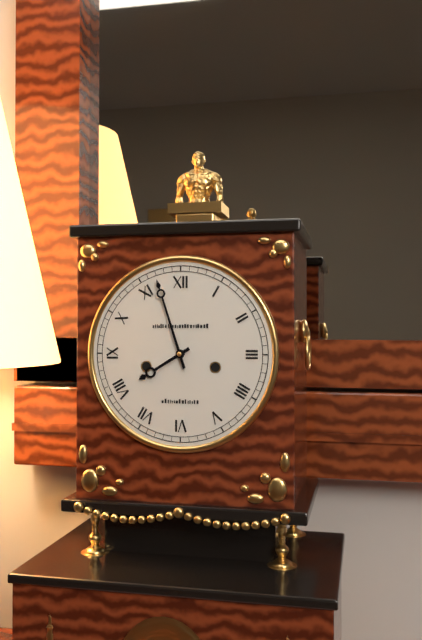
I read 7.57
